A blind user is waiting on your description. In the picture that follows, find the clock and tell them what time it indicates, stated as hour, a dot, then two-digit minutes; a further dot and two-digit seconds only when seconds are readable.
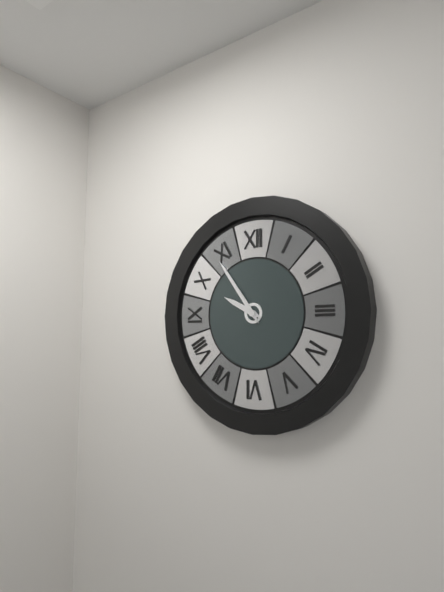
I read 9.54
